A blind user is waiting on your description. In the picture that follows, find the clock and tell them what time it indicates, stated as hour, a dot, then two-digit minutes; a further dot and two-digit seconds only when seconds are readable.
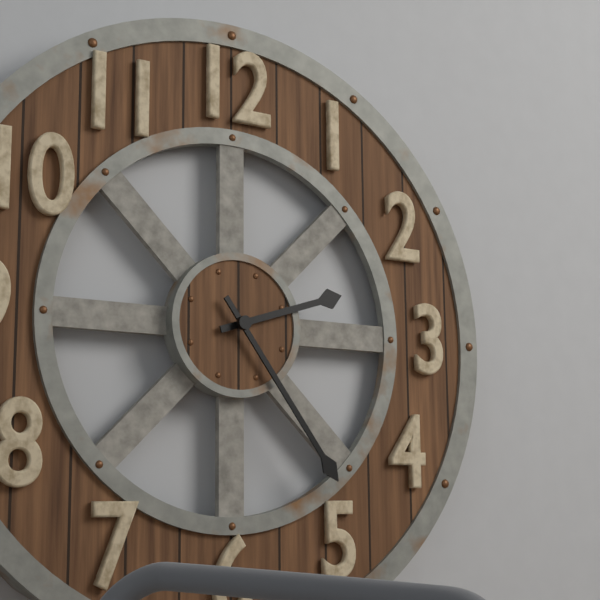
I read 2.24
